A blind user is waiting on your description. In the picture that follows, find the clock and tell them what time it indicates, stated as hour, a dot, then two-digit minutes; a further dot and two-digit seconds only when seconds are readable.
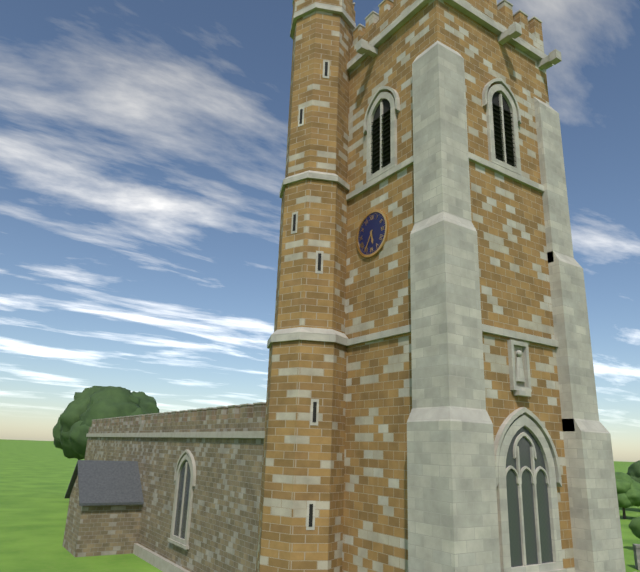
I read 5.35
